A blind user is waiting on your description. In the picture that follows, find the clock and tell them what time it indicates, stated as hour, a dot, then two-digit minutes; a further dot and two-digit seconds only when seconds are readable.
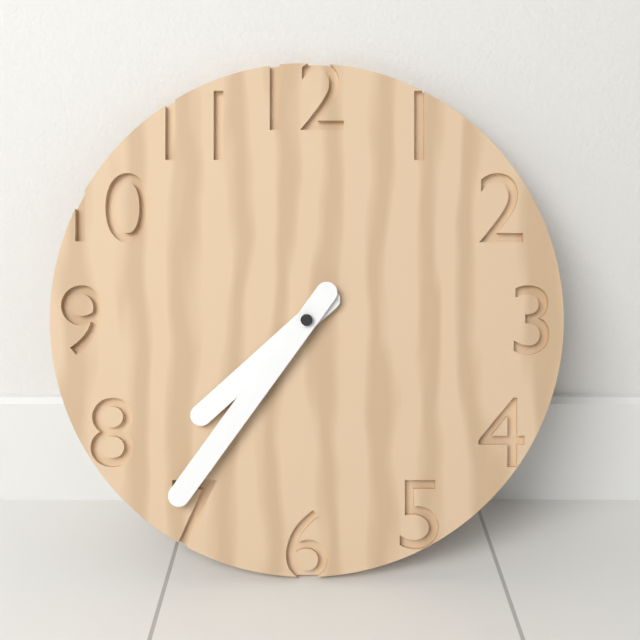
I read 7.36
